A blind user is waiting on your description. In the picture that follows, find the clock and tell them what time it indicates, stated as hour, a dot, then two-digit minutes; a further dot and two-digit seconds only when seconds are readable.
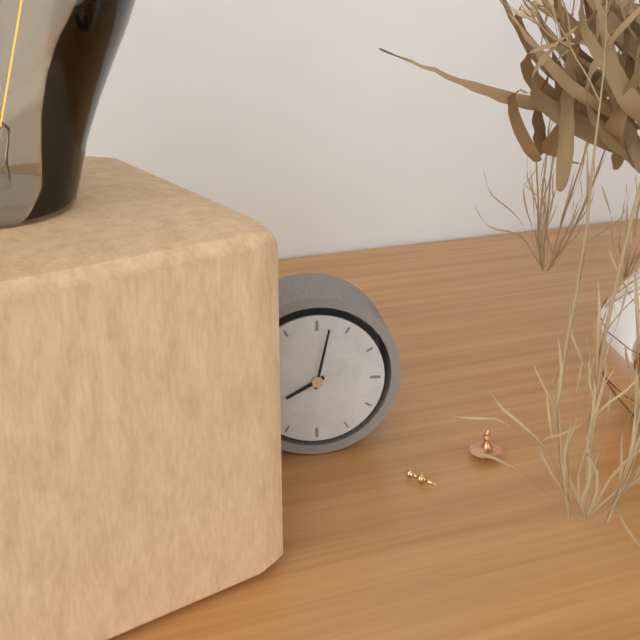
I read 8.02
